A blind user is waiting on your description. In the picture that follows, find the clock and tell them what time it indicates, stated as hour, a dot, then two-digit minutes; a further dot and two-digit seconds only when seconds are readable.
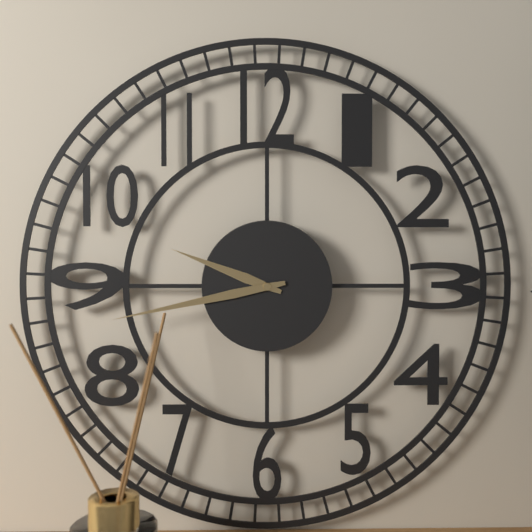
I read 9.43
